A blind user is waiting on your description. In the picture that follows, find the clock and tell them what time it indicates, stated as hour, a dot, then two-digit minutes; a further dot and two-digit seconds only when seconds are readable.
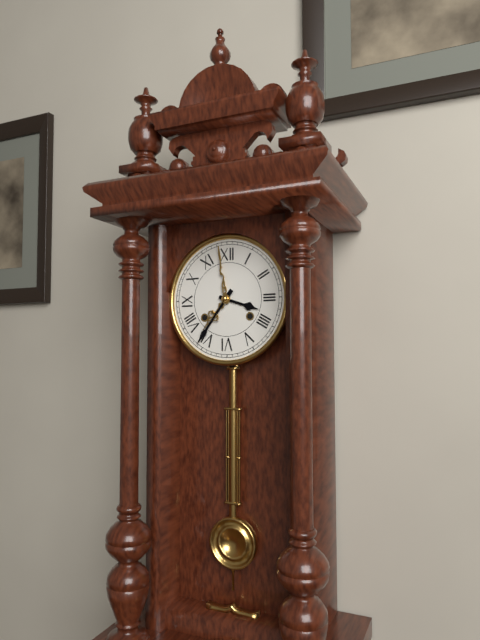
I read 3.36
